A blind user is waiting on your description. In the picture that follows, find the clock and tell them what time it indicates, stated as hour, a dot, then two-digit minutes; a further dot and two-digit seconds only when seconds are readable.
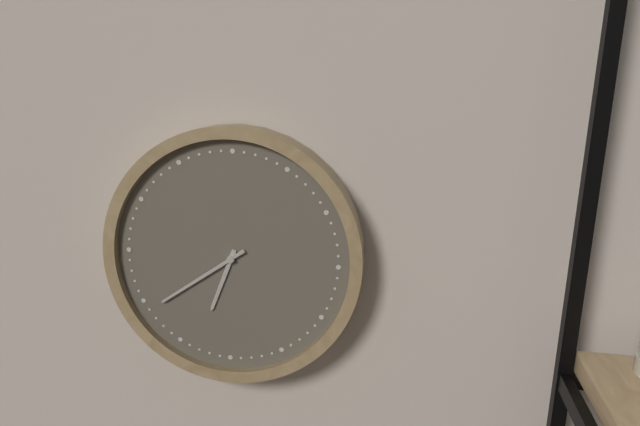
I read 6.39
